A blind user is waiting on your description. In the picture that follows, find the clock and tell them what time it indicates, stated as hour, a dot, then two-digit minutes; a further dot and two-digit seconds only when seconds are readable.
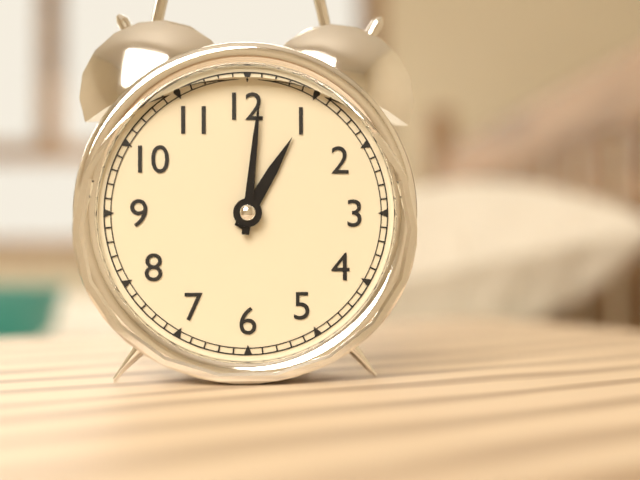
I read 1.01
